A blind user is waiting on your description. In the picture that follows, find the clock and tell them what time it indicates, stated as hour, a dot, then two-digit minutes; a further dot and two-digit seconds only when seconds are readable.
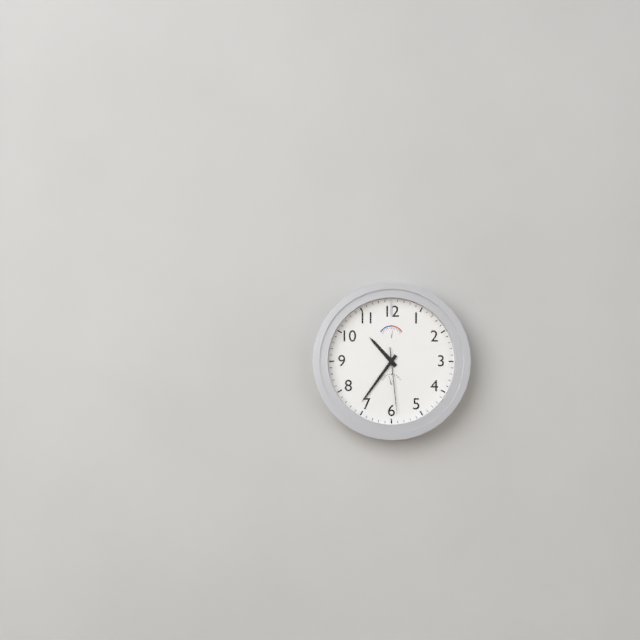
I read 10.36.29
